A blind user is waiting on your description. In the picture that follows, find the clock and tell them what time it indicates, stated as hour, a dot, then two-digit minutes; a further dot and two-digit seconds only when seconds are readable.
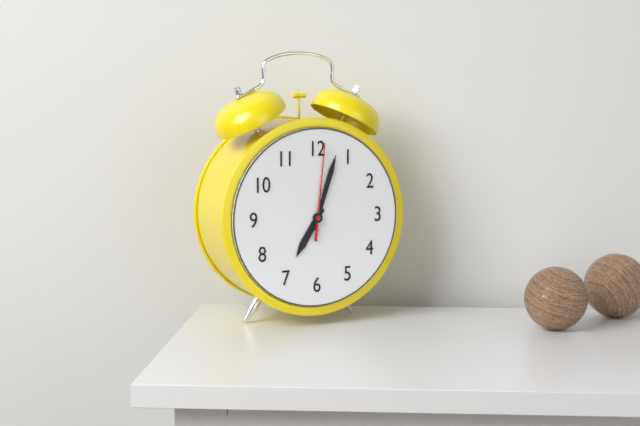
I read 7.03.01
